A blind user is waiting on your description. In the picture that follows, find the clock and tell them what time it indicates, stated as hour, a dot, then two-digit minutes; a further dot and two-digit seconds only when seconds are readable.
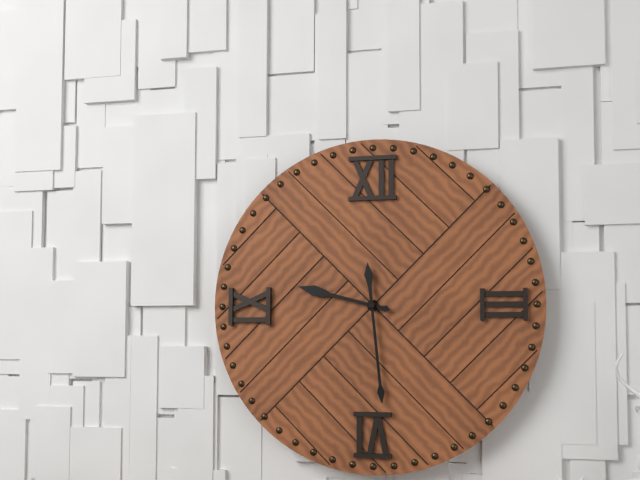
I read 9.29
